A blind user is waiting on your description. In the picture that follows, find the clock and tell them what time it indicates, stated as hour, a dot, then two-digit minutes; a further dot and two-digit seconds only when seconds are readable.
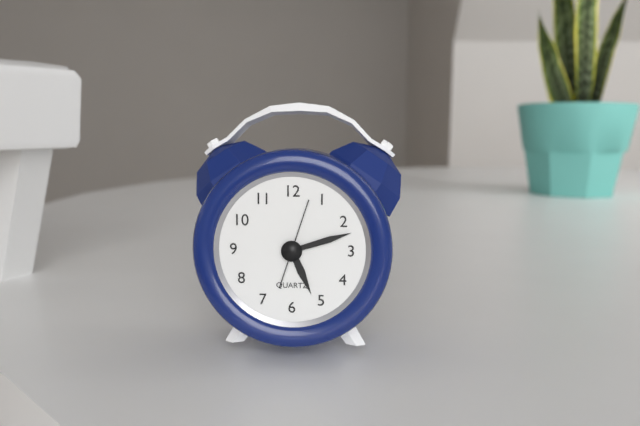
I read 5.12.03
